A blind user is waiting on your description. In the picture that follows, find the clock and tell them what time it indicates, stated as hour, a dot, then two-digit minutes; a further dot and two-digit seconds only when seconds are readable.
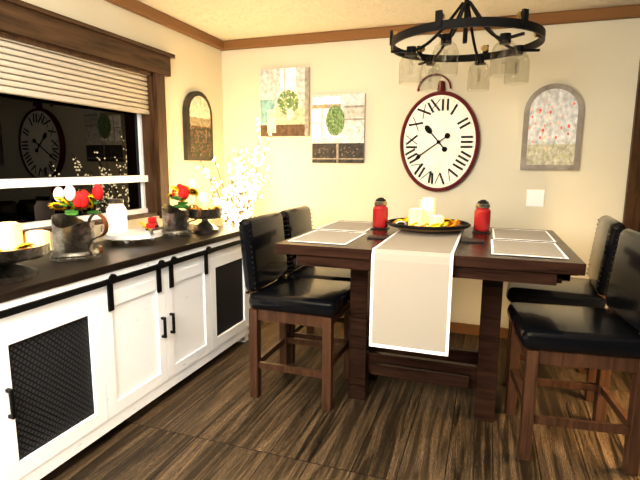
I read 10.39
